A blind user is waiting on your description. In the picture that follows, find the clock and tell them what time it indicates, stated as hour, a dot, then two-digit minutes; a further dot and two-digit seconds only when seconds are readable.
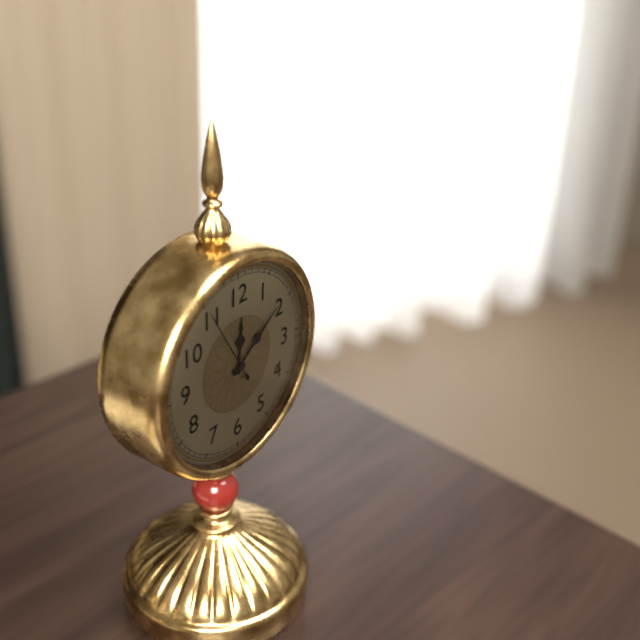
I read 12.09.55
